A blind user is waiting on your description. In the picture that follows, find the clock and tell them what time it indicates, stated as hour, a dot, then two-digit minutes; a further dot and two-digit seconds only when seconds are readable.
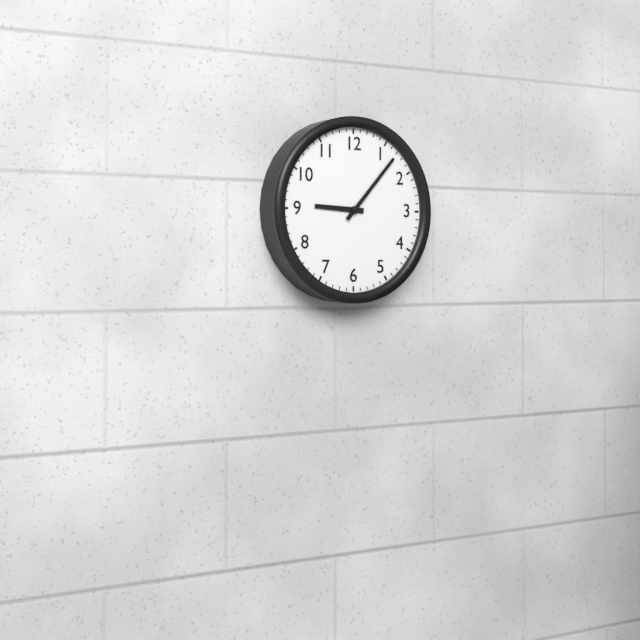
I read 9.07
